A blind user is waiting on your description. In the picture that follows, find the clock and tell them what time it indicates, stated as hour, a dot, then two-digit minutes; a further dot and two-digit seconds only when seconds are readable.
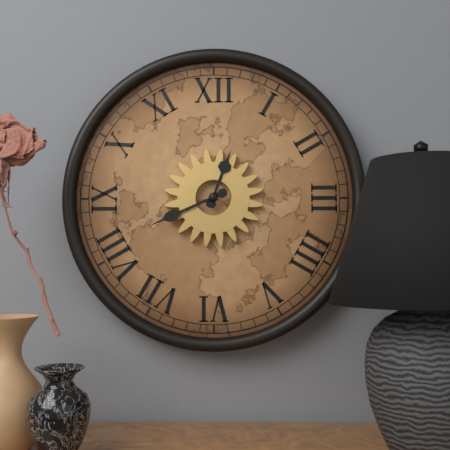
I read 12.41
